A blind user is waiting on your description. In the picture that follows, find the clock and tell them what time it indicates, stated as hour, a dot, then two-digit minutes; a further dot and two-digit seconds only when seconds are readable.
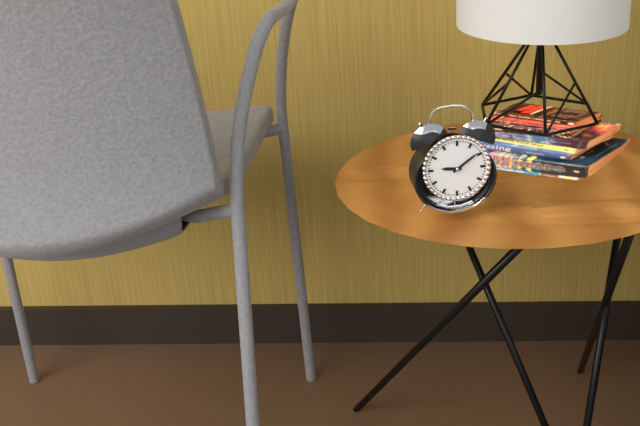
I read 9.09
